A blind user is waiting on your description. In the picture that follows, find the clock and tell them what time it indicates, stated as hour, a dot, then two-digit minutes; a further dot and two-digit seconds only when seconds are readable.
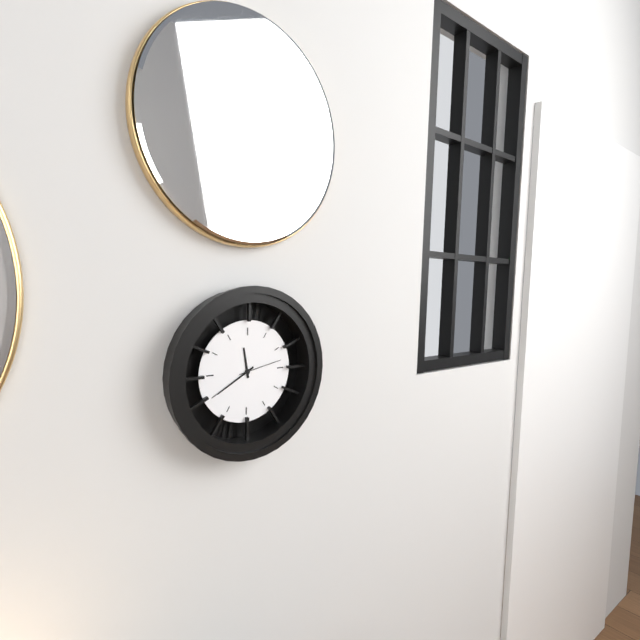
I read 11.40
